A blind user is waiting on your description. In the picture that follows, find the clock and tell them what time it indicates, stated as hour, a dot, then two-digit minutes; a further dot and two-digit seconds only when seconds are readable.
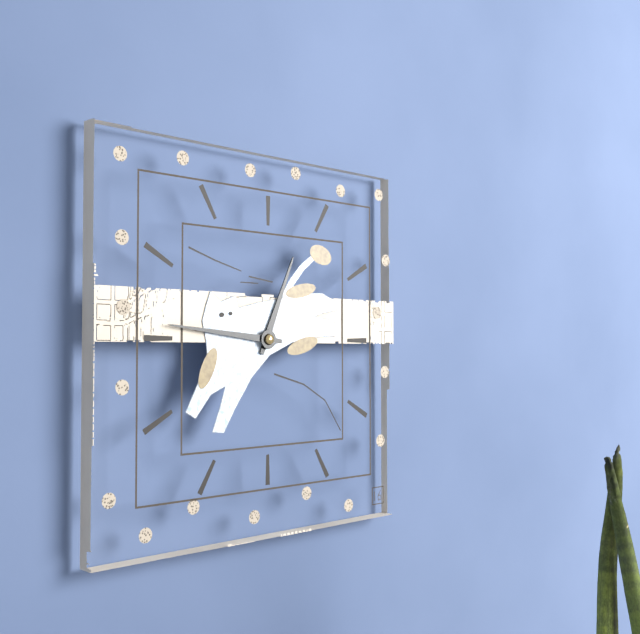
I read 12.46
